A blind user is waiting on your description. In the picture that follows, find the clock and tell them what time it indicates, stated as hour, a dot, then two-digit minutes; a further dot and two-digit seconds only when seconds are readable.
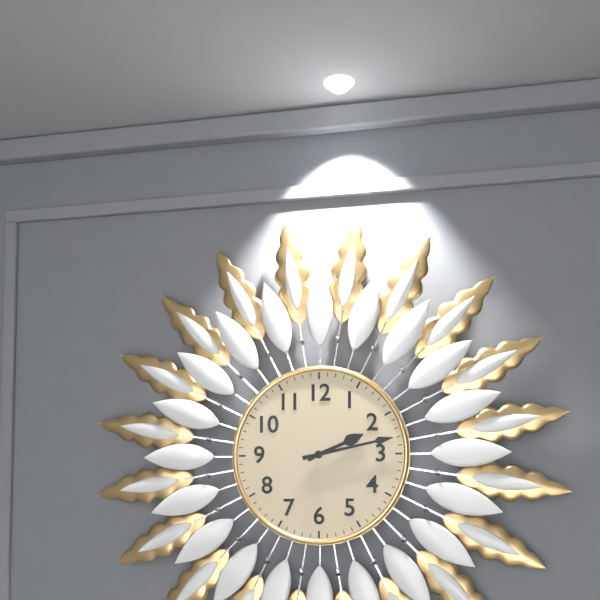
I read 2.13
